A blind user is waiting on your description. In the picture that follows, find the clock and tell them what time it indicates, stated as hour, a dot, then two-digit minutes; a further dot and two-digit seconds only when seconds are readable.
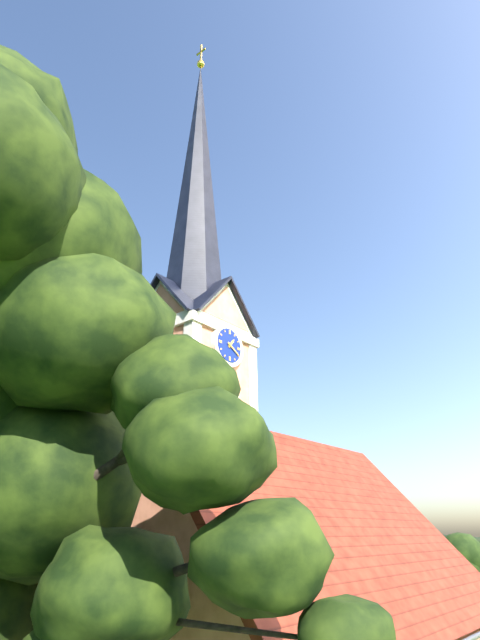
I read 1.20
